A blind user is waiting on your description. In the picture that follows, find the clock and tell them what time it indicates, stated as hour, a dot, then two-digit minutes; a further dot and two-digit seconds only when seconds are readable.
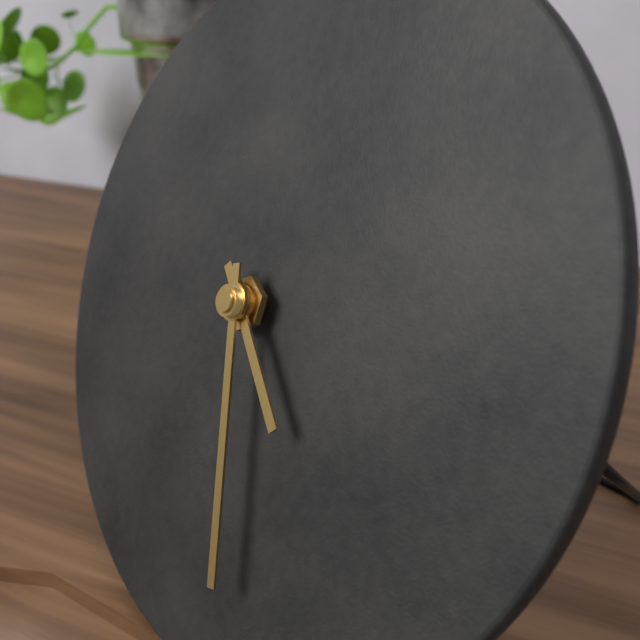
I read 4.27
